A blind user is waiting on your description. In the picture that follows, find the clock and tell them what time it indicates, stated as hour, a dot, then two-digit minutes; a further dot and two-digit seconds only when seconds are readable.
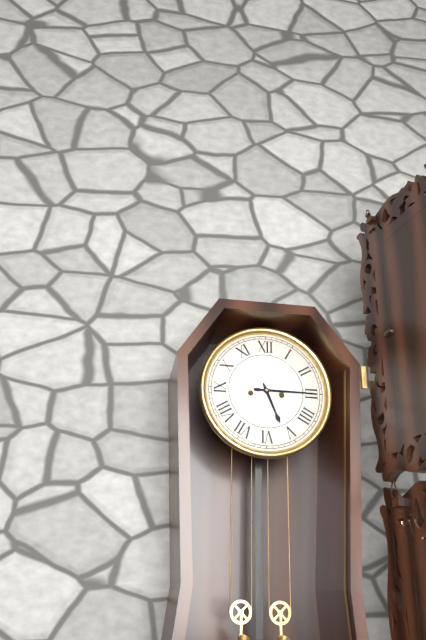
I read 5.15
